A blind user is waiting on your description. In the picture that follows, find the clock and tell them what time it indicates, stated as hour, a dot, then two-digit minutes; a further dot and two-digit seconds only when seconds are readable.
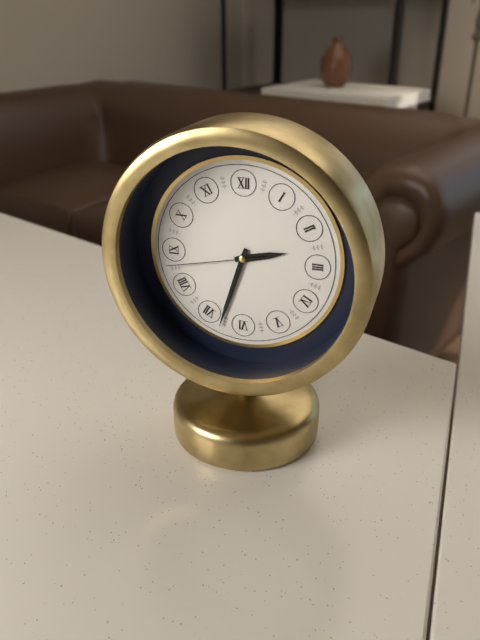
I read 2.33.43
